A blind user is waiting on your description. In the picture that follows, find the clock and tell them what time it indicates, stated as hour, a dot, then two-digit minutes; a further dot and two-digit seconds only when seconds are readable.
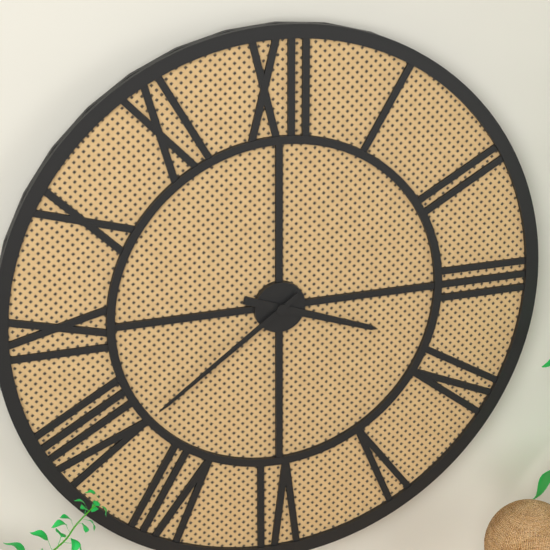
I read 3.39
